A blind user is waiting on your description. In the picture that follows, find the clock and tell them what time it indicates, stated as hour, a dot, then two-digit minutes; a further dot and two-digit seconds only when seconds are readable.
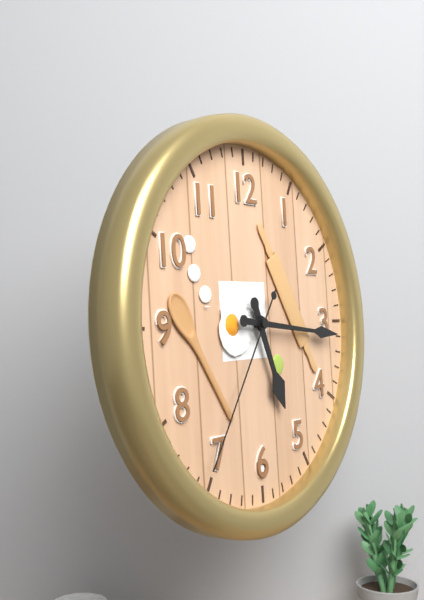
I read 5.16.36
